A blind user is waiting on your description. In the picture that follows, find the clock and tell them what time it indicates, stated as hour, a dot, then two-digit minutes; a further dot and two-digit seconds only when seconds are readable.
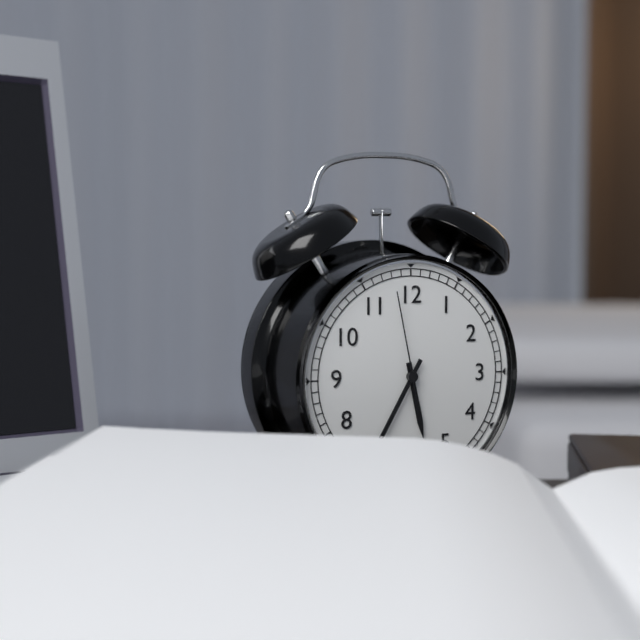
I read 5.35.58
